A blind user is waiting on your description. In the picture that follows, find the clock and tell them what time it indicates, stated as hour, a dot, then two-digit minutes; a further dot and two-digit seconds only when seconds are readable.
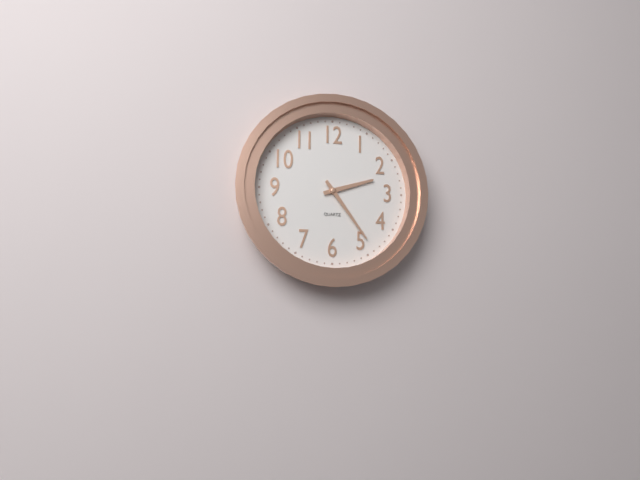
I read 2.24
